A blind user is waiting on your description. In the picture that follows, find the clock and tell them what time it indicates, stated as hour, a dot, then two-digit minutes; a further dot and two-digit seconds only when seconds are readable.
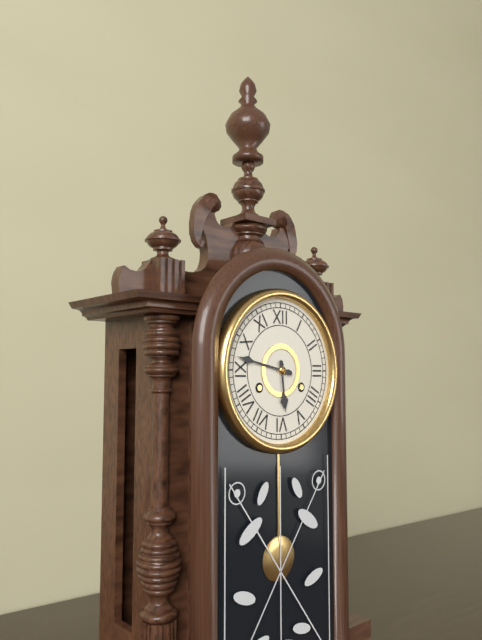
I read 5.47
